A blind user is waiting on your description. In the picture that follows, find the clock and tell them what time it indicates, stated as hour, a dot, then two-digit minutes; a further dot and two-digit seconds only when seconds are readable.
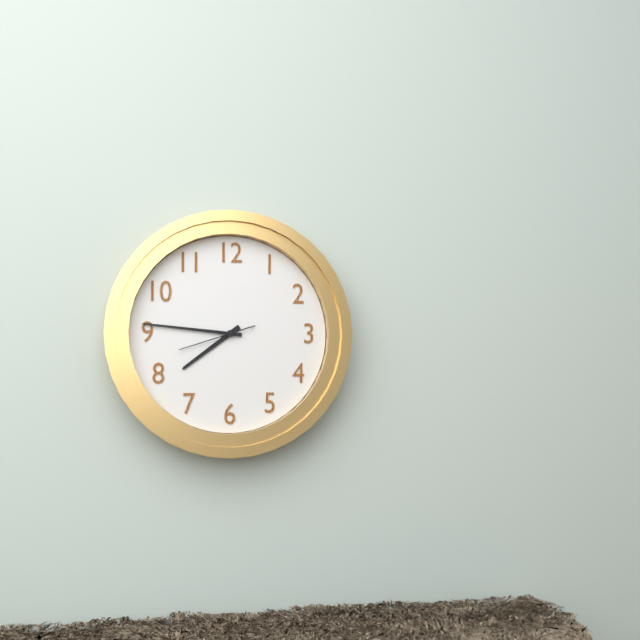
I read 7.46.42
